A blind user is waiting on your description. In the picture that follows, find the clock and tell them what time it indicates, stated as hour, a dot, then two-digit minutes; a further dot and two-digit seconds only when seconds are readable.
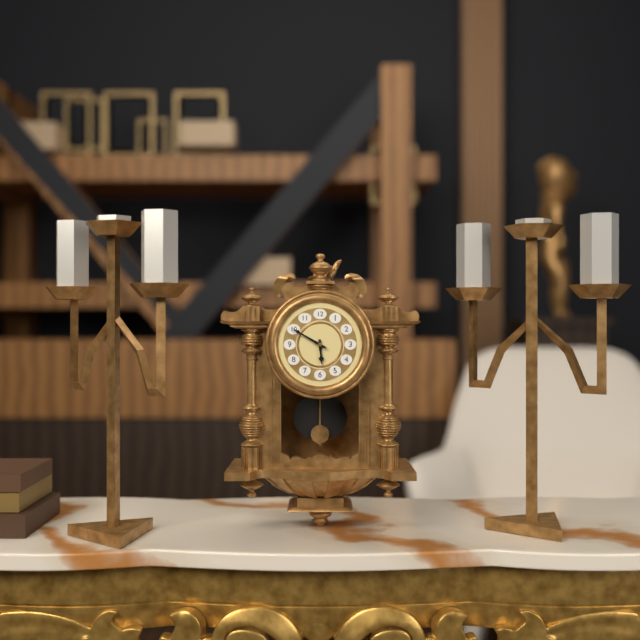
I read 5.50
